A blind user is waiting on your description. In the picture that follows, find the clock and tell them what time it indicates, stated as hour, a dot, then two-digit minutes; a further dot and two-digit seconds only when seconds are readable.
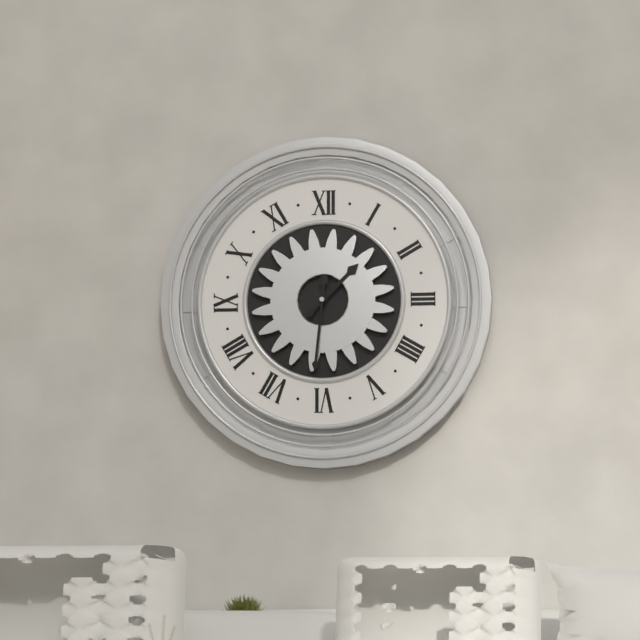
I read 1.31
